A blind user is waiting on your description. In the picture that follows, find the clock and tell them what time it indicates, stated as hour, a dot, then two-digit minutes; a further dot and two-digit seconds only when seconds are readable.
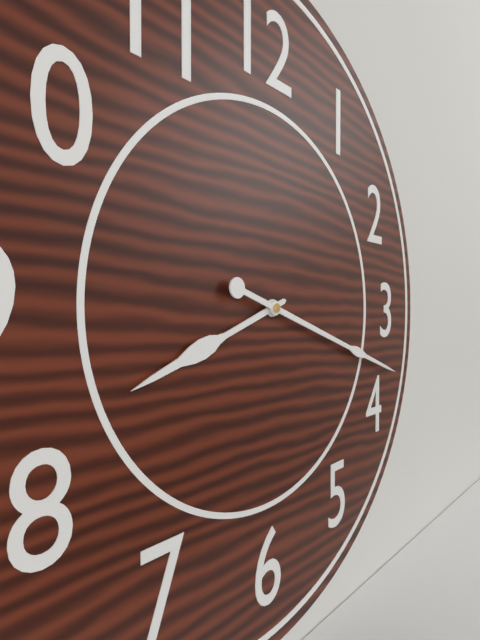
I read 8.18
